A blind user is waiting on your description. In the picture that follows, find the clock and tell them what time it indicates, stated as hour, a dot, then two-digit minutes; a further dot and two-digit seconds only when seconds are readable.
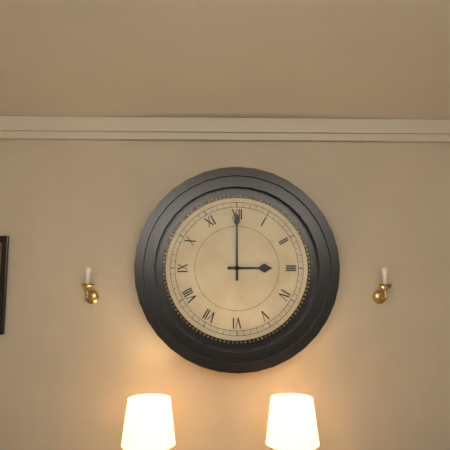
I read 3.00
